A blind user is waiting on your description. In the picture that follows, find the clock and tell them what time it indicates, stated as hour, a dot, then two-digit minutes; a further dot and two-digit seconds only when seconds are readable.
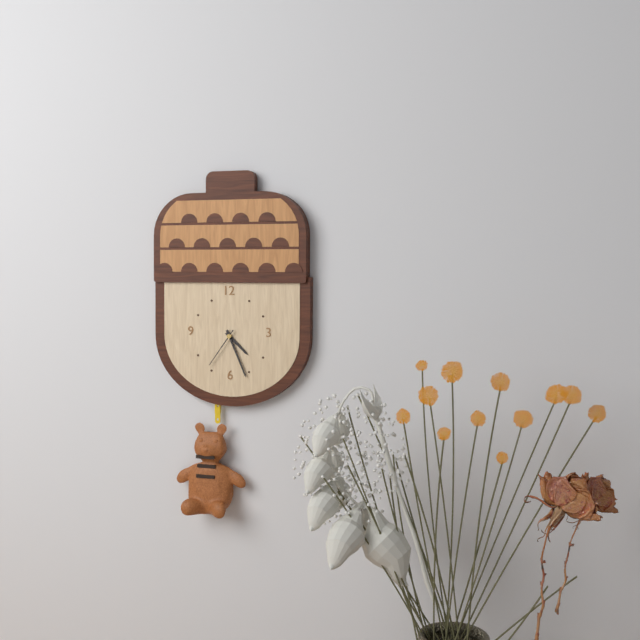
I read 4.26
